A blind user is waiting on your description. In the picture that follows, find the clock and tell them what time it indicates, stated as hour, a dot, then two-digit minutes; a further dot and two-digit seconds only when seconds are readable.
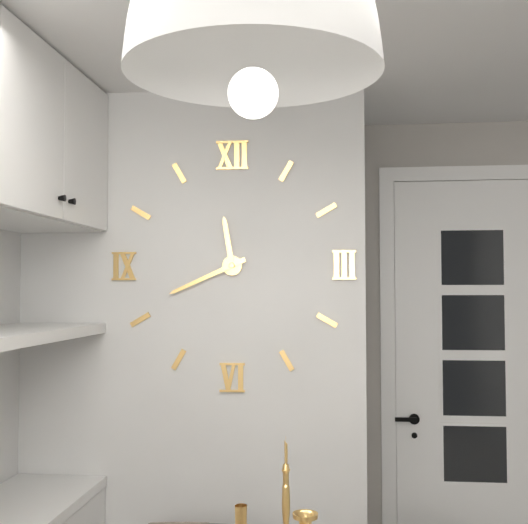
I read 11.41
